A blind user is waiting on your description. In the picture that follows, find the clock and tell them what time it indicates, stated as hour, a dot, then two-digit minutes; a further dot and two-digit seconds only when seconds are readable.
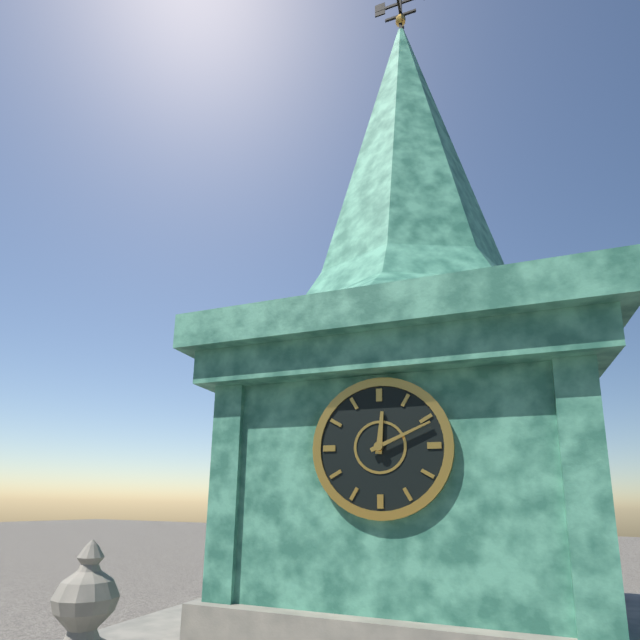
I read 12.11
